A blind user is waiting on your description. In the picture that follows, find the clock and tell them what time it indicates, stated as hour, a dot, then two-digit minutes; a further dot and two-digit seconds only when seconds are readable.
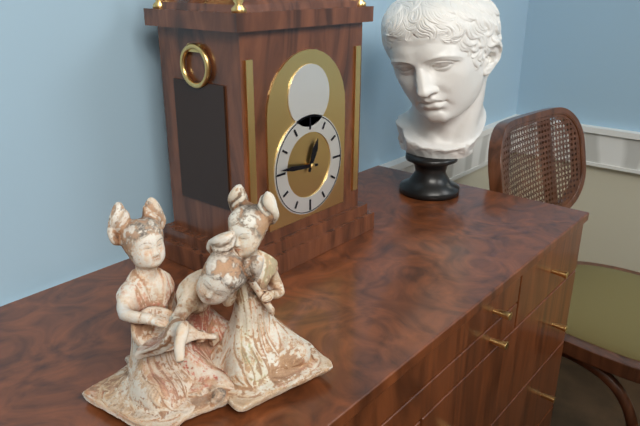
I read 12.46
